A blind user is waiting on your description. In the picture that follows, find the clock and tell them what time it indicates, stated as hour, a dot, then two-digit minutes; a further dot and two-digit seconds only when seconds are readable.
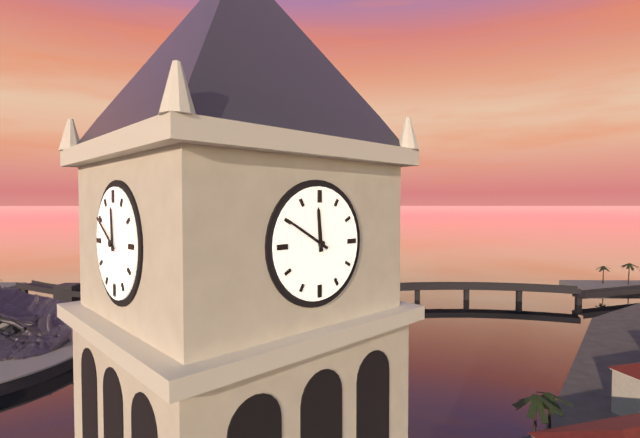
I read 11.50
